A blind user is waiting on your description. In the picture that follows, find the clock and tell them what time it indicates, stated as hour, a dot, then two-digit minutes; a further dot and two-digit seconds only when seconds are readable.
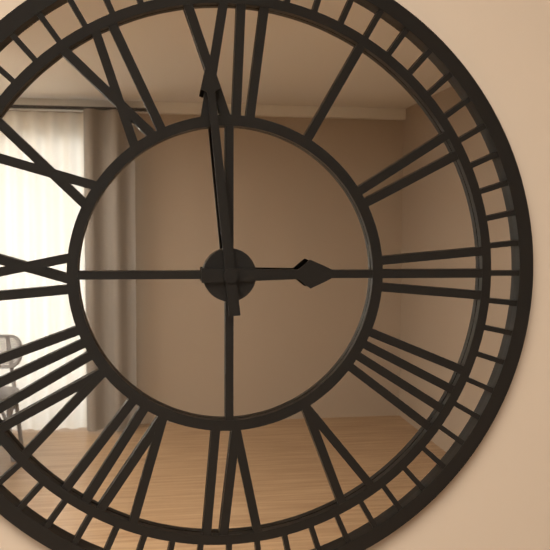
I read 2.59
